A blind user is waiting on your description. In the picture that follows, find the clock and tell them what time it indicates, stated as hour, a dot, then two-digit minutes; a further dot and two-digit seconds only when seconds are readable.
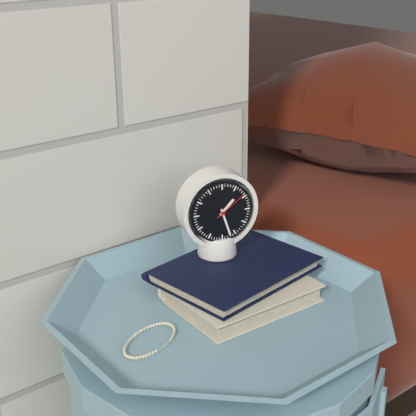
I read 1.27
